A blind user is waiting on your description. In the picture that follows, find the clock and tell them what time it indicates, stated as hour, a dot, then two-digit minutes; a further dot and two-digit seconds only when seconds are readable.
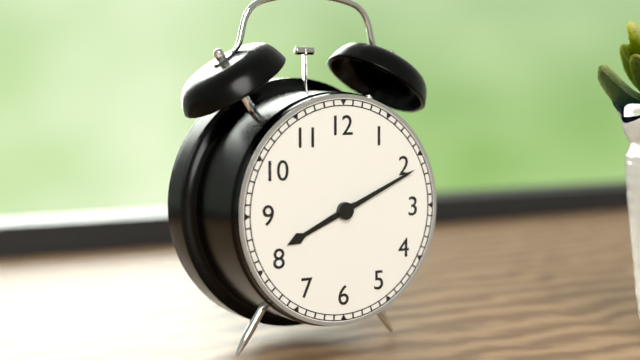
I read 8.11
